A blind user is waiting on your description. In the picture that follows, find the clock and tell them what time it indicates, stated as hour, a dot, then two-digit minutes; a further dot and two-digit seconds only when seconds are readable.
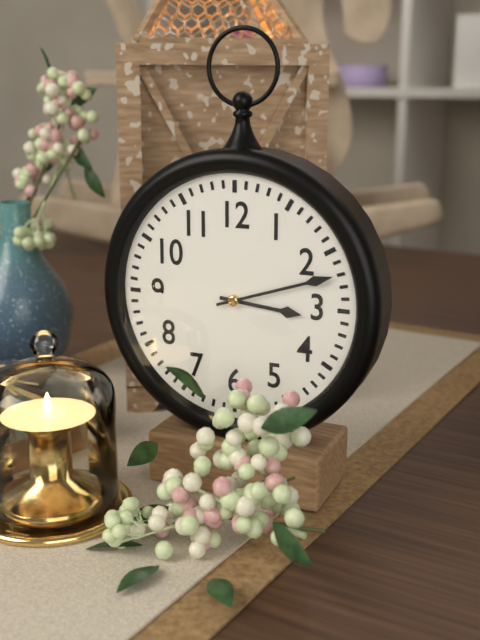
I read 3.12
